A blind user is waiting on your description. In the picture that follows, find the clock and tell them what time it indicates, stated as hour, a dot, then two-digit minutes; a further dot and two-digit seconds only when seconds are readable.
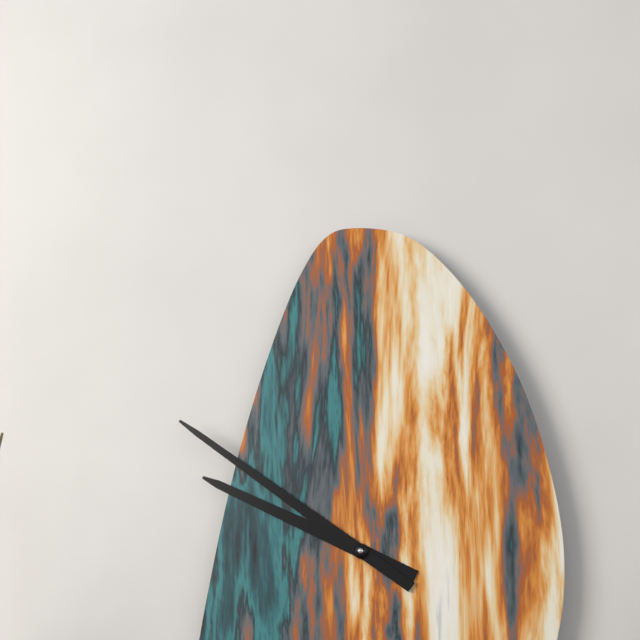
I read 9.51
